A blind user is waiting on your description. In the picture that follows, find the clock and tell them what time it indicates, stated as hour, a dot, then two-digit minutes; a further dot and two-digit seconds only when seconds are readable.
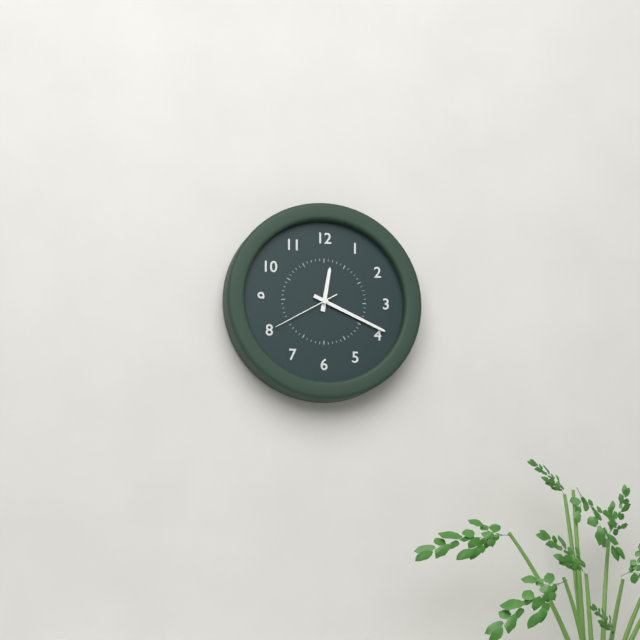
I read 12.19.40
